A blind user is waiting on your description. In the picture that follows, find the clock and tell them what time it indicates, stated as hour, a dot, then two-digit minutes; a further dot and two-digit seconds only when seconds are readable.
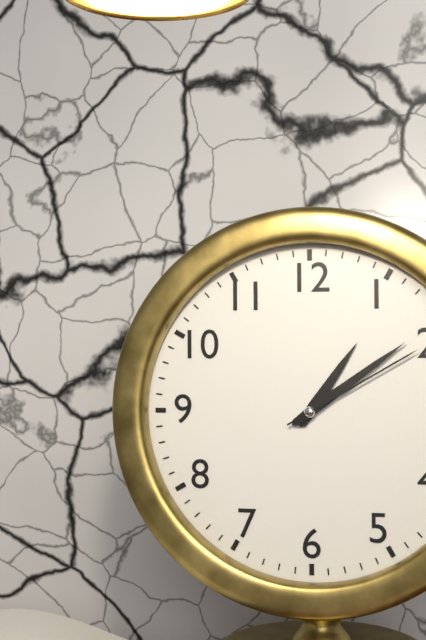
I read 1.09.10
